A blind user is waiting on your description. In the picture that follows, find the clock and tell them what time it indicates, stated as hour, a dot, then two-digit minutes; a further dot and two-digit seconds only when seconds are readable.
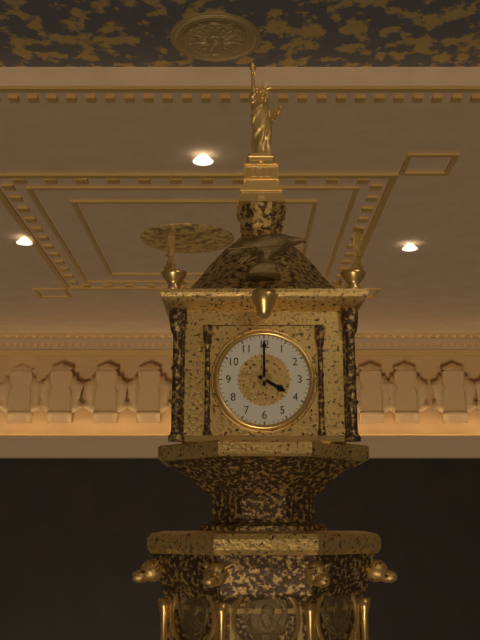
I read 4.00
